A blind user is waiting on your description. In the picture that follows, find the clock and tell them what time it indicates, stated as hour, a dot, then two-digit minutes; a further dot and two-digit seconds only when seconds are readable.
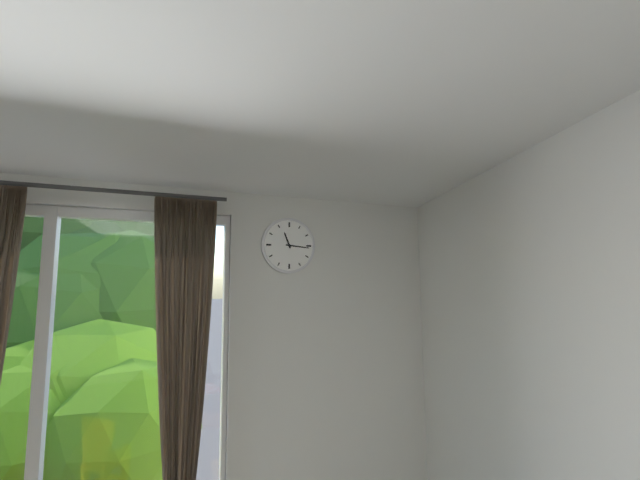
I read 11.16
